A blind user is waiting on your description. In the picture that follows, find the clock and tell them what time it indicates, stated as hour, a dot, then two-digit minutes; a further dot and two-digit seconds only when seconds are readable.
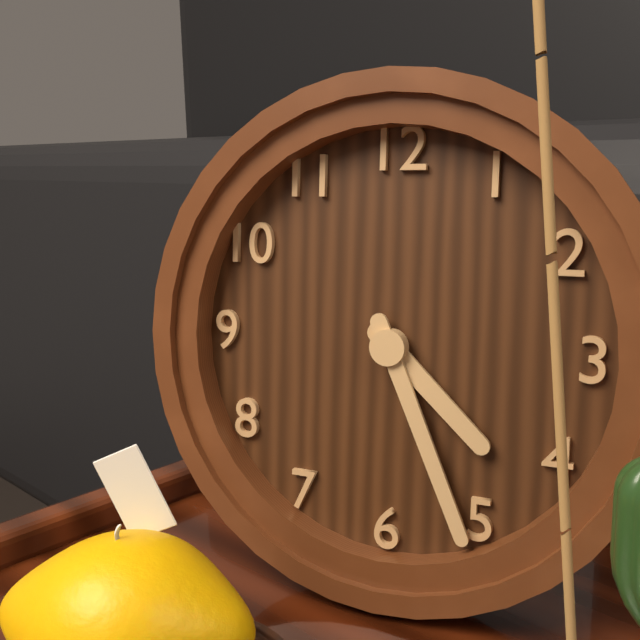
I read 4.26
